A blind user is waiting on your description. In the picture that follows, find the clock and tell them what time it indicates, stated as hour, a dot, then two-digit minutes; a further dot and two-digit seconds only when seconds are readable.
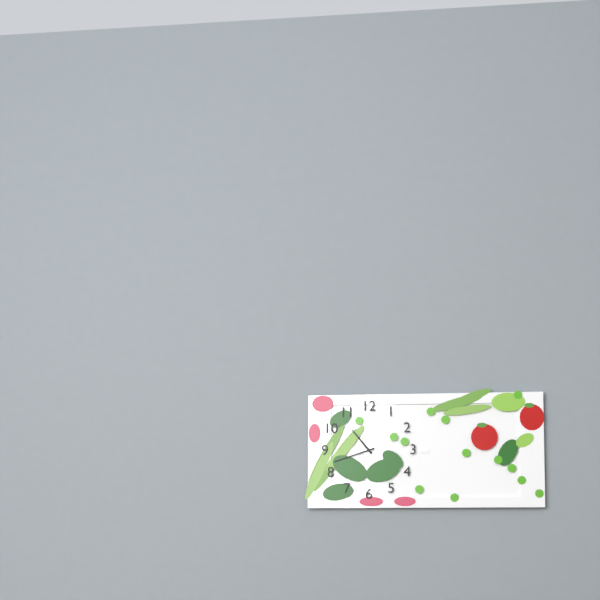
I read 10.42
